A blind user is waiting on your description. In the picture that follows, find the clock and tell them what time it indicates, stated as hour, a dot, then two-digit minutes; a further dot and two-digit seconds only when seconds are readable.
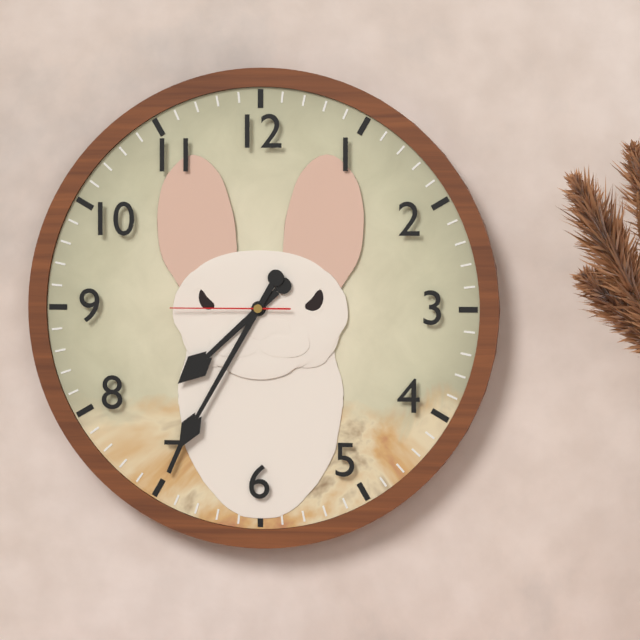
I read 7.35.45
